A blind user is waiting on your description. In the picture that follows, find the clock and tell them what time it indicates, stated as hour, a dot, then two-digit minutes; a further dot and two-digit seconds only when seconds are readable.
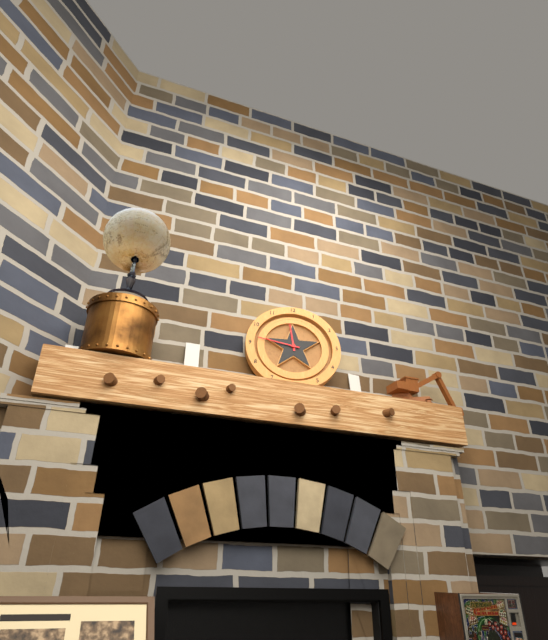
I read 11.47
